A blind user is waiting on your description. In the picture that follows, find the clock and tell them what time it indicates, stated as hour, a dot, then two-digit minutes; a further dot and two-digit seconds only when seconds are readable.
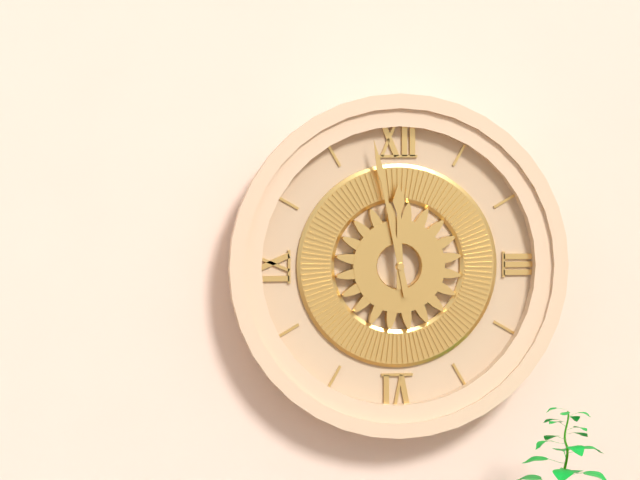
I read 11.58
